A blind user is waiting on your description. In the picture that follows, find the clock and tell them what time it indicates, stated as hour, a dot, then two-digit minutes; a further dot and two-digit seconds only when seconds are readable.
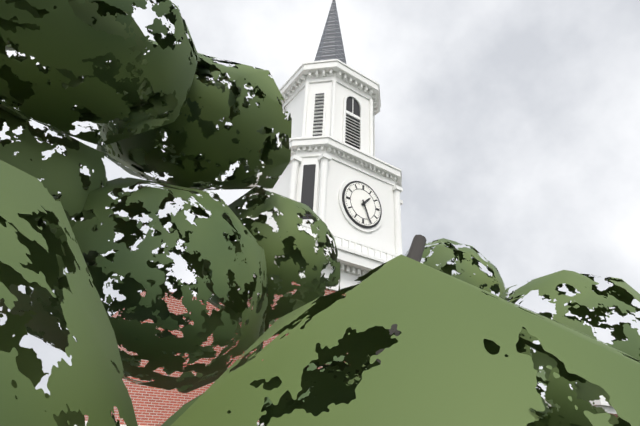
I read 1.26
